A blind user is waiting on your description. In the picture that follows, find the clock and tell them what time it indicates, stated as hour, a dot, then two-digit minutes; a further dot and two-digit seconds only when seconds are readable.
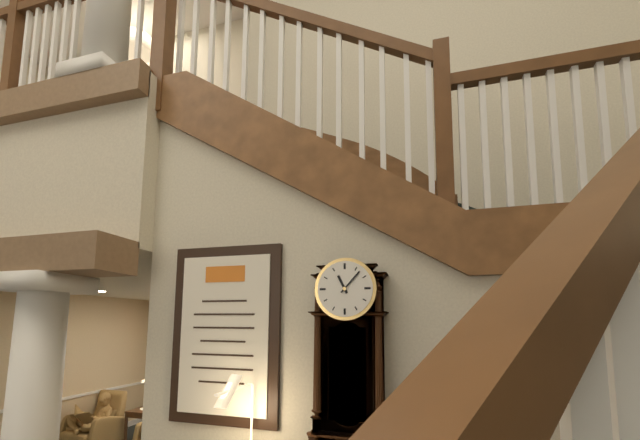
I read 11.07
